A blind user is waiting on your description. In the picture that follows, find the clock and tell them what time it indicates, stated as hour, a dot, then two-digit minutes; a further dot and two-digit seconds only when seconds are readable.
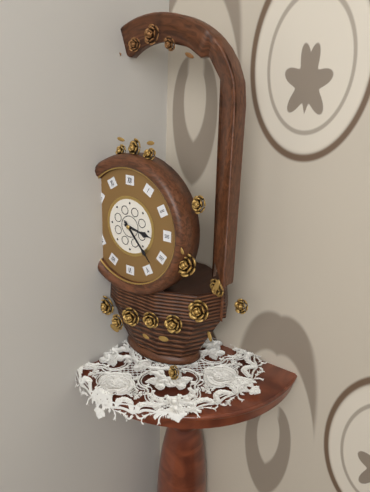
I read 3.23
